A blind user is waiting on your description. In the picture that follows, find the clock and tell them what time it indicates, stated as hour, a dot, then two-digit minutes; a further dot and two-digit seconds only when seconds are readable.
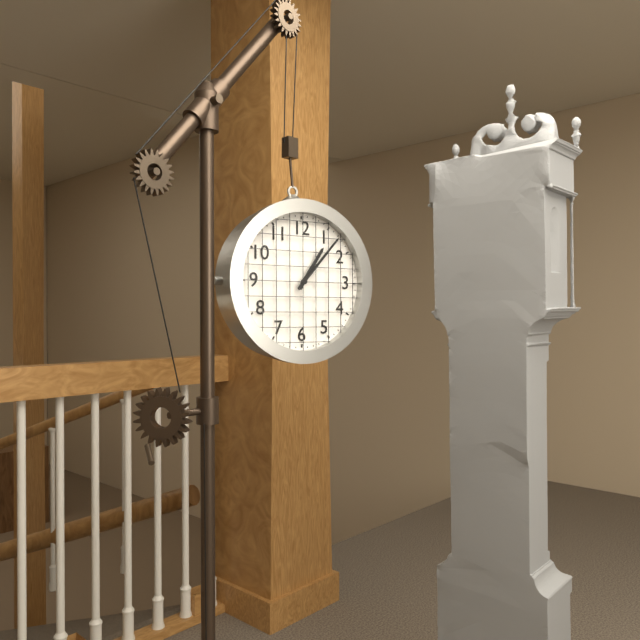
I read 1.07
